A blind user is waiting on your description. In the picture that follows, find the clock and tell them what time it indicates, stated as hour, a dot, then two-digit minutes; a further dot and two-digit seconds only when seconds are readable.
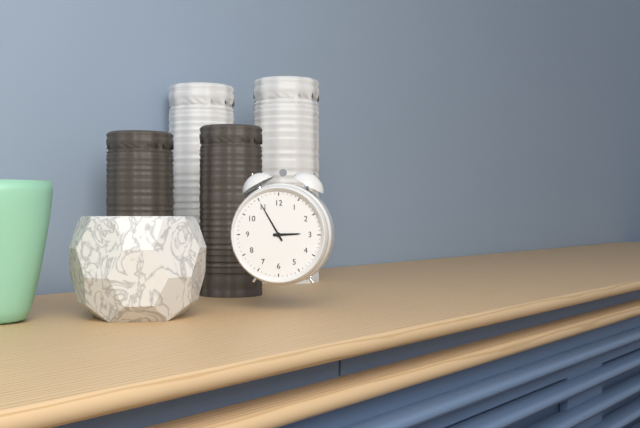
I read 2.55
